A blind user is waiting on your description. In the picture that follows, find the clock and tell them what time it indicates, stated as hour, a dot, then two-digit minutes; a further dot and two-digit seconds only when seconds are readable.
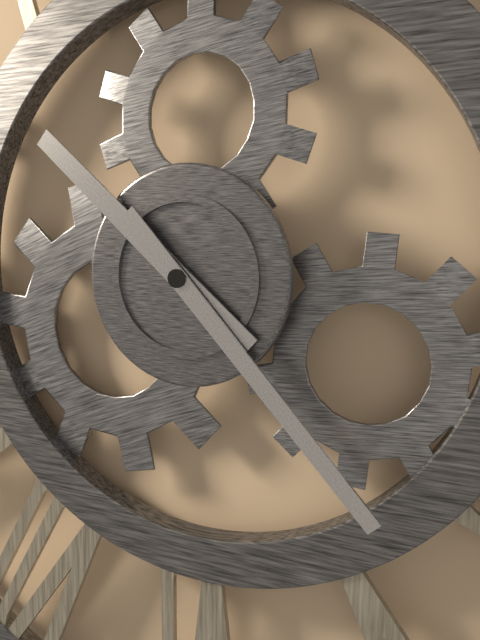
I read 10.23
